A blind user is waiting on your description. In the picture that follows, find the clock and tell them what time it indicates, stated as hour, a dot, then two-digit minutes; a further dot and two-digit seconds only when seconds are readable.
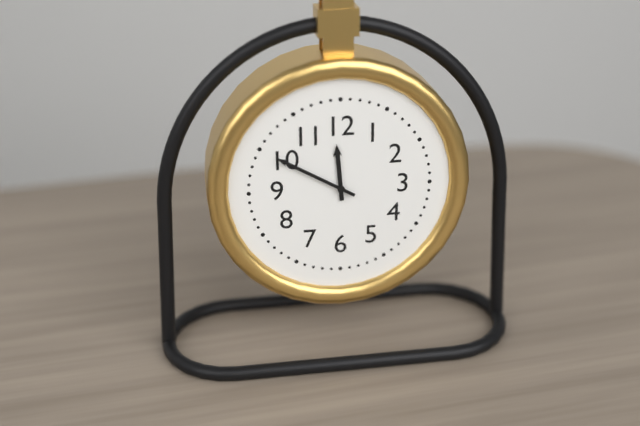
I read 11.50
